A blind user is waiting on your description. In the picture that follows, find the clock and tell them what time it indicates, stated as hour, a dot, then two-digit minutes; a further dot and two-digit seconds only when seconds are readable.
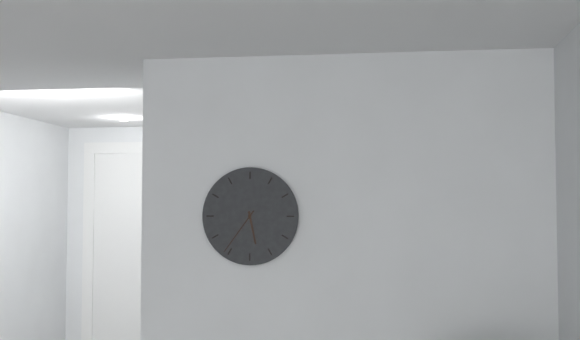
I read 5.36
